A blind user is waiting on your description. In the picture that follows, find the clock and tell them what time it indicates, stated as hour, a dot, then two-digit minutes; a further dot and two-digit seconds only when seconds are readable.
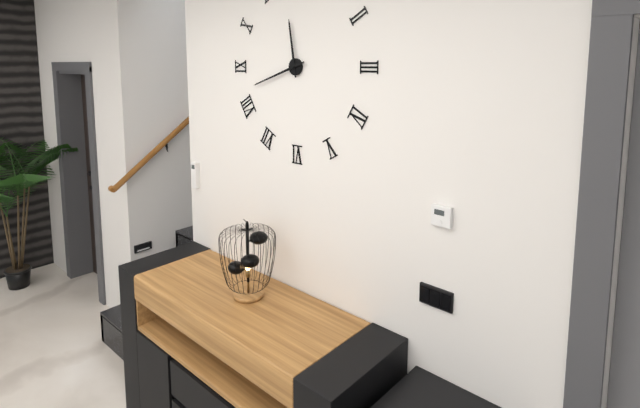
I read 11.42
